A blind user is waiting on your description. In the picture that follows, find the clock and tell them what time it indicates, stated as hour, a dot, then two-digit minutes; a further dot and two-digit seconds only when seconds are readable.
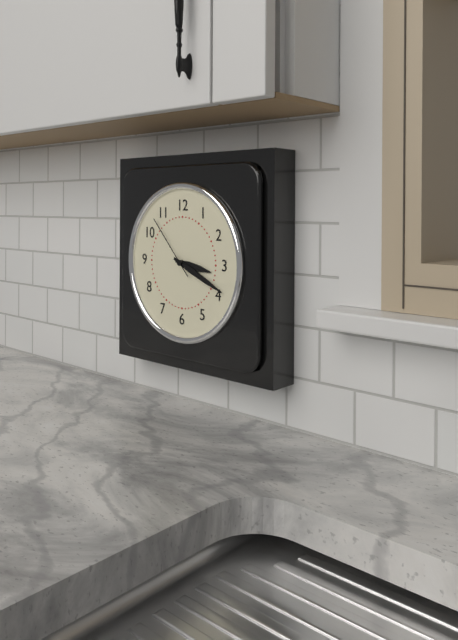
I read 3.19.53
